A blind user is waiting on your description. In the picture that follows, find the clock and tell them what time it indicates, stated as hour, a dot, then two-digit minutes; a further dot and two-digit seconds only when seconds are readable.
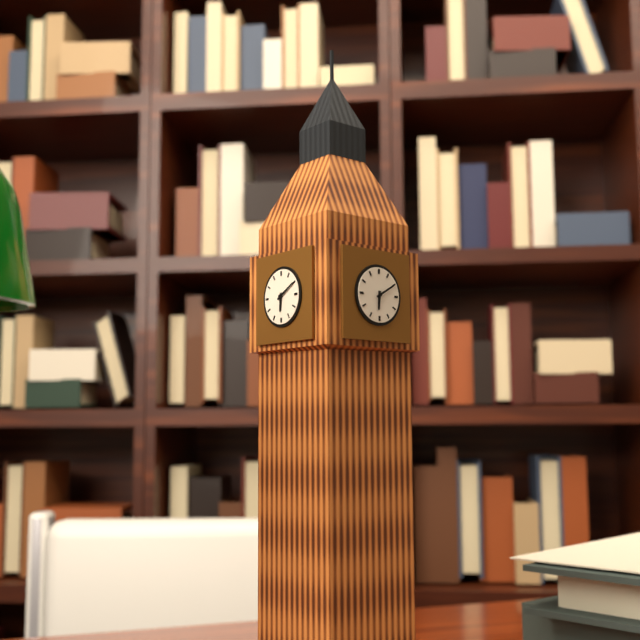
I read 6.10
